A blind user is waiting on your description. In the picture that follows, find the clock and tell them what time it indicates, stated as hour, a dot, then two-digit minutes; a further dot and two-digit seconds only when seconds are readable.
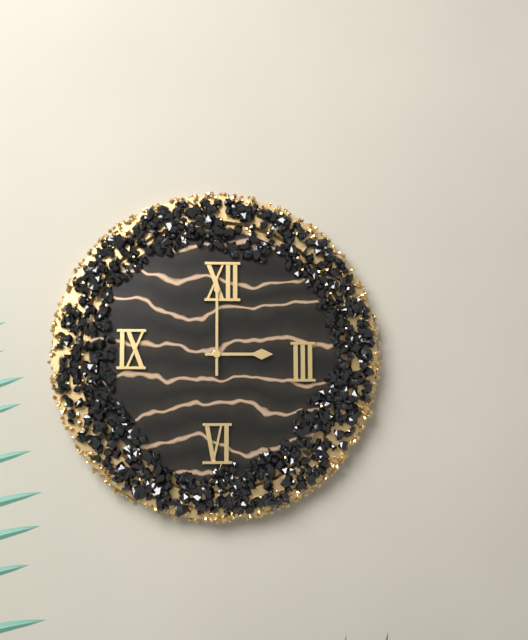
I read 3.00
